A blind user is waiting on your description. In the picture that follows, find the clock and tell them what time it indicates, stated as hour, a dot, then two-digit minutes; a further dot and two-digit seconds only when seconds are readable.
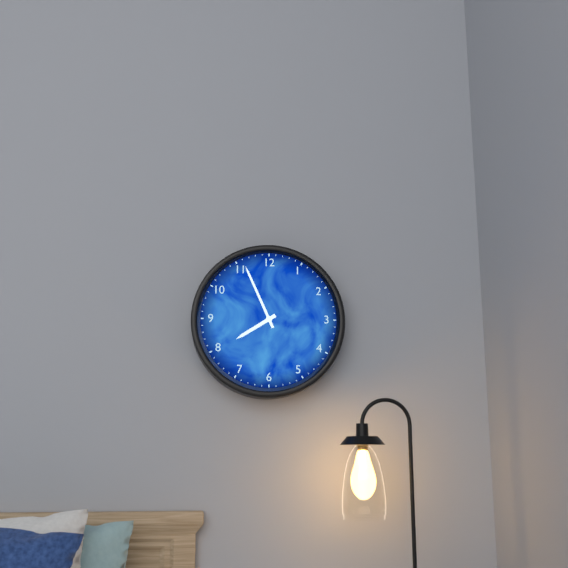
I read 7.56
